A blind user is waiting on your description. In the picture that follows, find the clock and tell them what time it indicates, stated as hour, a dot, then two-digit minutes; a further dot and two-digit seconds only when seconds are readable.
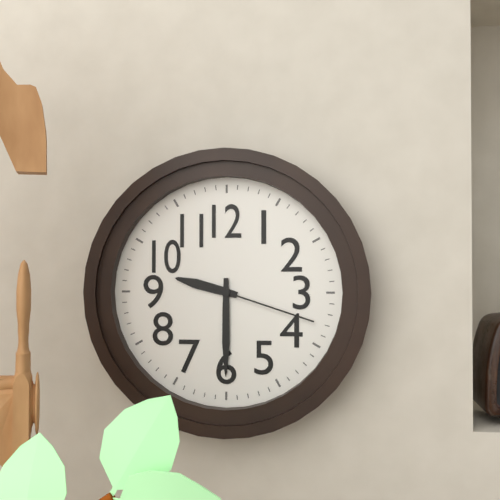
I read 9.30.18
